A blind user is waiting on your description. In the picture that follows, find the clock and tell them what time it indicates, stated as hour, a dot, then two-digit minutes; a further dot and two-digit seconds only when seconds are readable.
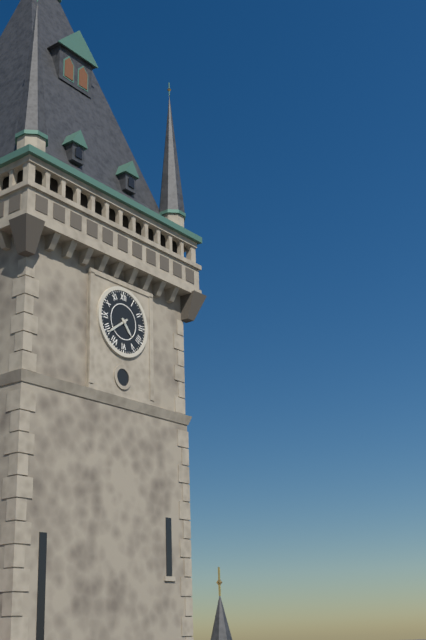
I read 4.39
